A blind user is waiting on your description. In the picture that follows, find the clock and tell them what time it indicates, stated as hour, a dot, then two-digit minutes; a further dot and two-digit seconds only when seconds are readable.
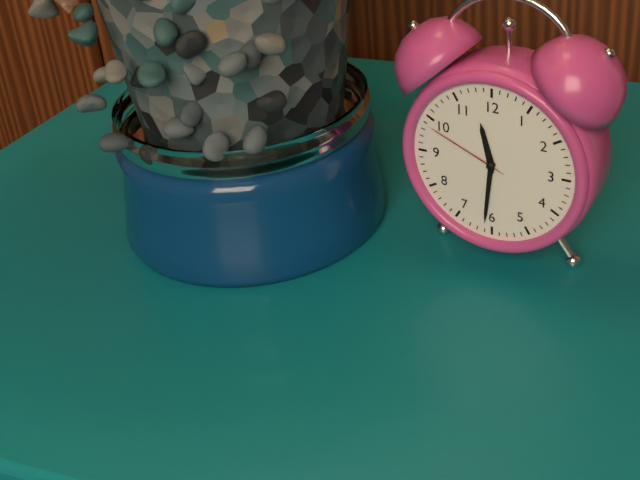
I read 11.31.49
